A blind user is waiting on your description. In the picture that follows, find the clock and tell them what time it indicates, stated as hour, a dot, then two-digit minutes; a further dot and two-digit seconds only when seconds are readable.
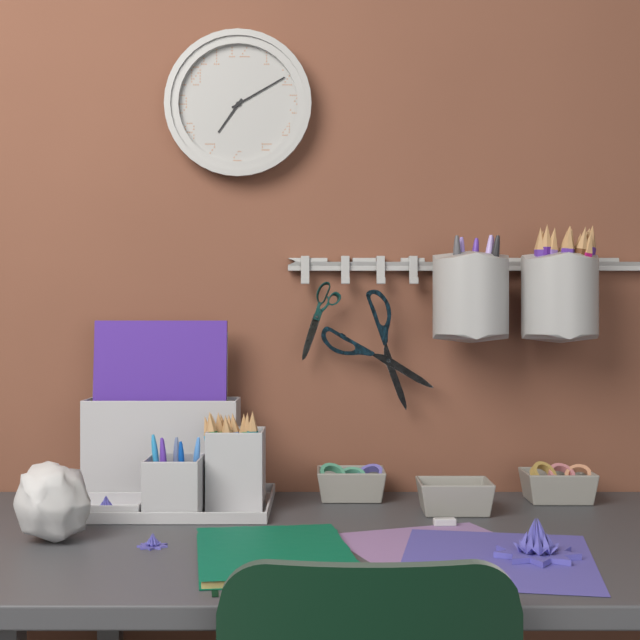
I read 7.10
